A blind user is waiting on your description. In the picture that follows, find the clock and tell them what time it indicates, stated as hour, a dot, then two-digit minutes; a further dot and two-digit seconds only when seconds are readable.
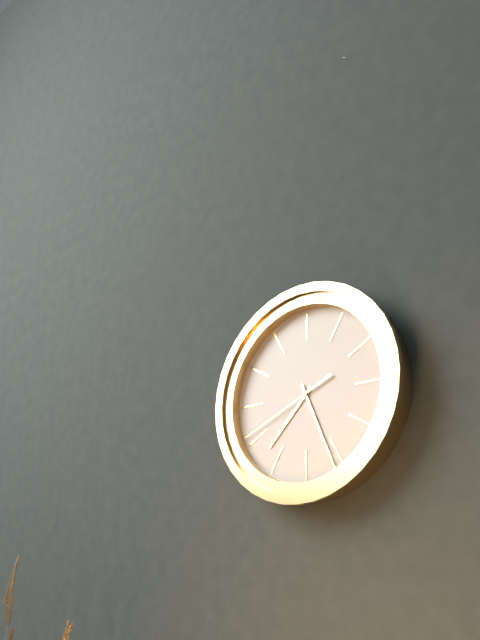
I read 7.26.41
